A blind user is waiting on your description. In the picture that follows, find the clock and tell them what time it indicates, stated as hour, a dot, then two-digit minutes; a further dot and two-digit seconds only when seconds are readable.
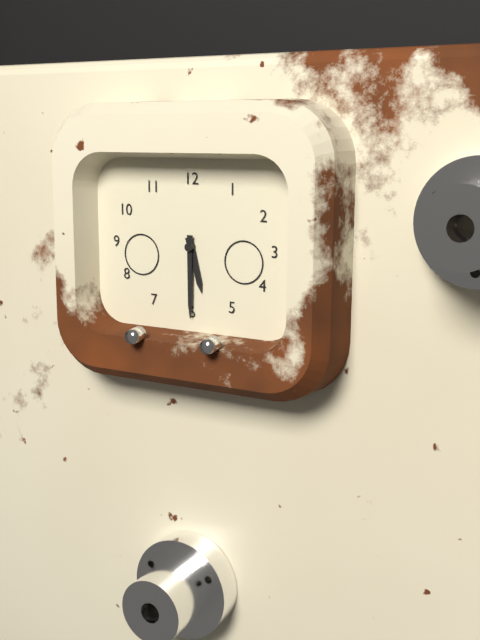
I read 5.30
